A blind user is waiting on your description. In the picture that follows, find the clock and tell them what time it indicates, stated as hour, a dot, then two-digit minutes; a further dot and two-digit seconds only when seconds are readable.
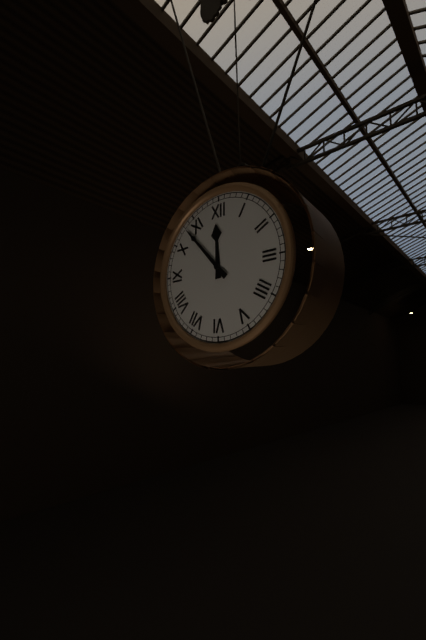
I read 11.53
